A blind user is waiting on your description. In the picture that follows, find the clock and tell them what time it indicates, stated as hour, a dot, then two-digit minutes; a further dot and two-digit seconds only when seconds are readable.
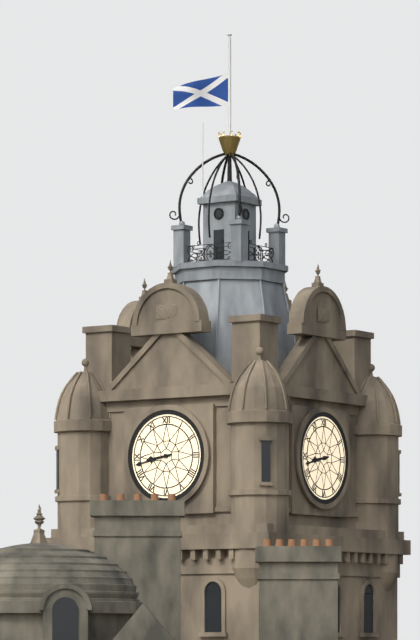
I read 8.43
